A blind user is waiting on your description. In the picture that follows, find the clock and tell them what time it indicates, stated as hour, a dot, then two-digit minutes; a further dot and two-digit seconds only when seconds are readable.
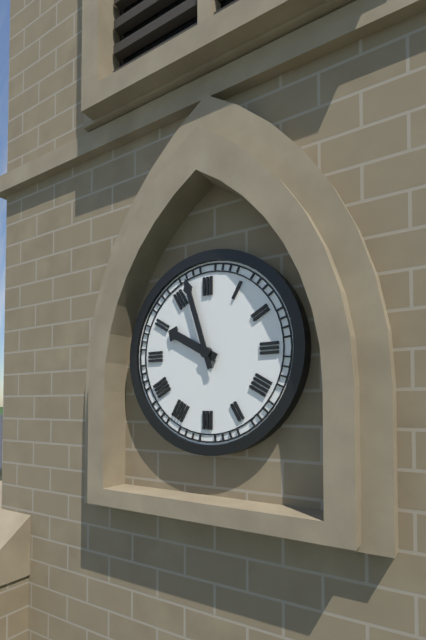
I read 9.57
